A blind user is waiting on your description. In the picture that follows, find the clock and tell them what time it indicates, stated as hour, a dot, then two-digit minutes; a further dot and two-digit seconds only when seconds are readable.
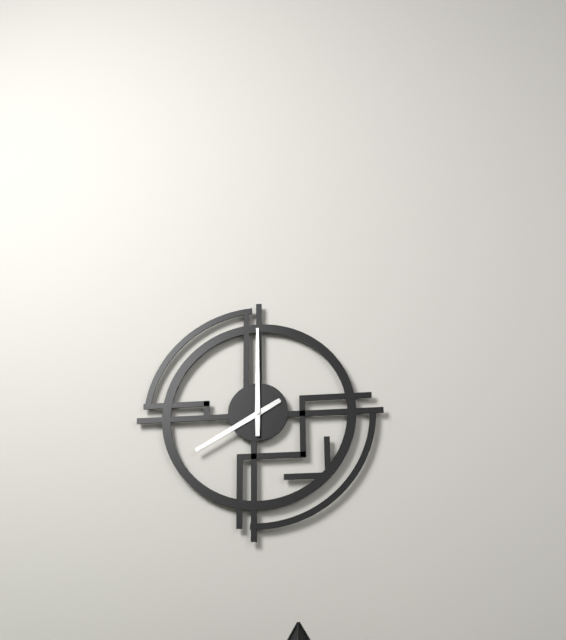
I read 8.00
